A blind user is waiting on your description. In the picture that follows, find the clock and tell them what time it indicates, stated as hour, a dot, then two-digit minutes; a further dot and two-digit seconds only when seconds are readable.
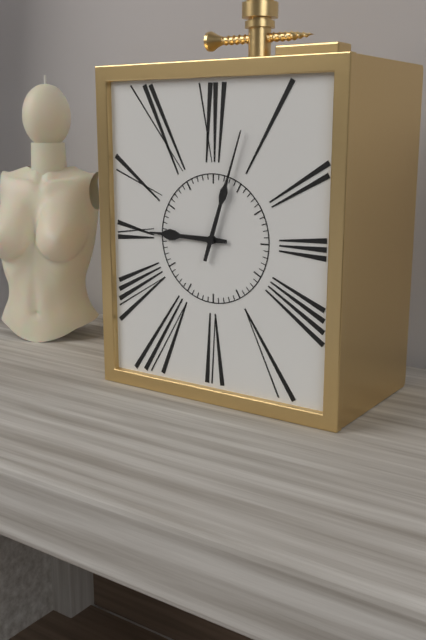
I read 9.03
